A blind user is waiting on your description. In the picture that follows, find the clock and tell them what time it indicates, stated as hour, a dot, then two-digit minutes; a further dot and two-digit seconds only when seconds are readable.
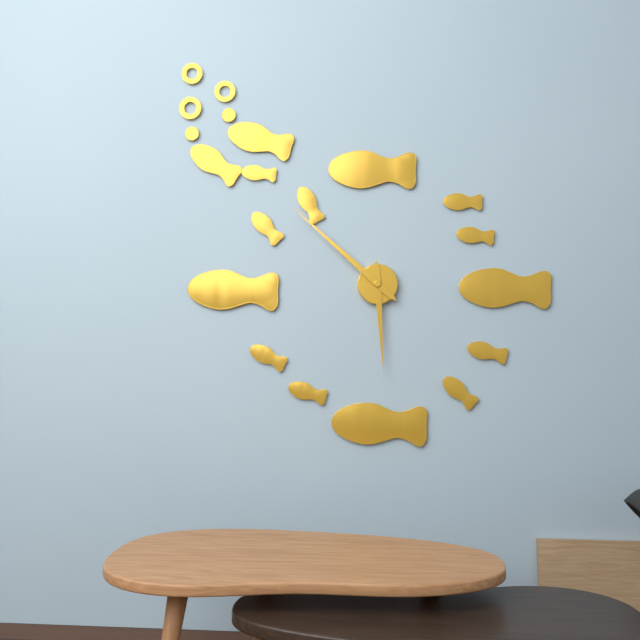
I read 5.52
